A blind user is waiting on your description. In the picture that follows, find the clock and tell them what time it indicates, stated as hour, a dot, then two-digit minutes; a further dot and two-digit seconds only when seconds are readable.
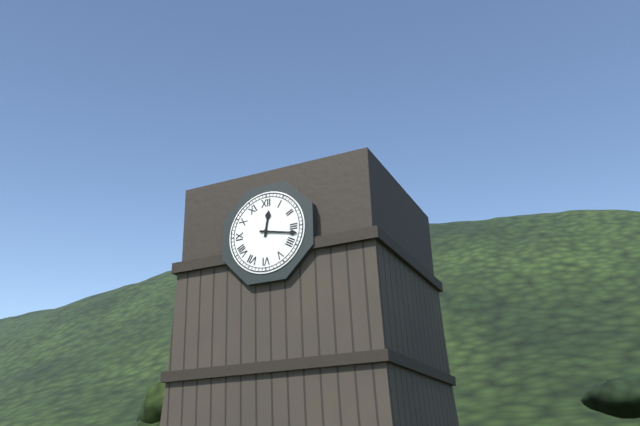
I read 12.17
